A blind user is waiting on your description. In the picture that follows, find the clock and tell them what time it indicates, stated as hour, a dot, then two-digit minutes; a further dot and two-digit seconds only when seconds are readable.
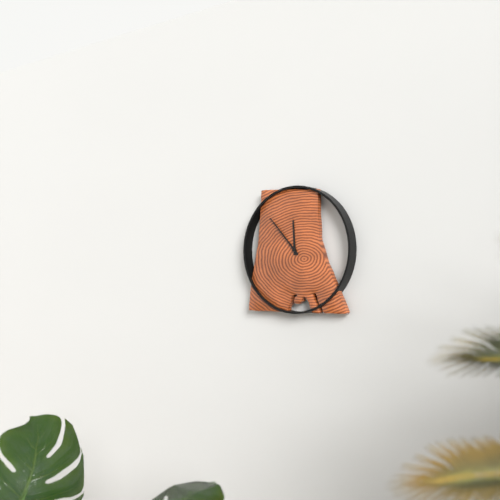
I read 11.53
